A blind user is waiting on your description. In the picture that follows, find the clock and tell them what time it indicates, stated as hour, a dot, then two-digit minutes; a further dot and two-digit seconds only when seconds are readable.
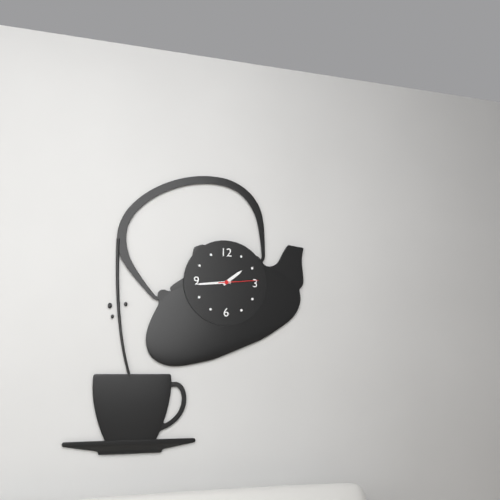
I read 1.44
